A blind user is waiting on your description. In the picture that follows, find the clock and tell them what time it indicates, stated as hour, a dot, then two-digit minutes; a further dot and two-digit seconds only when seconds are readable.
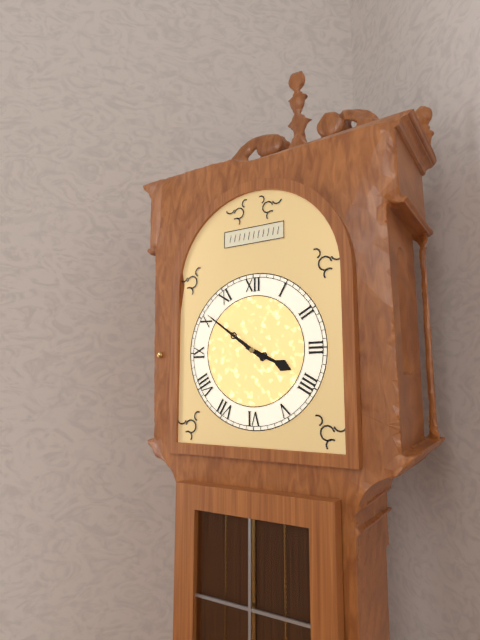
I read 3.51
